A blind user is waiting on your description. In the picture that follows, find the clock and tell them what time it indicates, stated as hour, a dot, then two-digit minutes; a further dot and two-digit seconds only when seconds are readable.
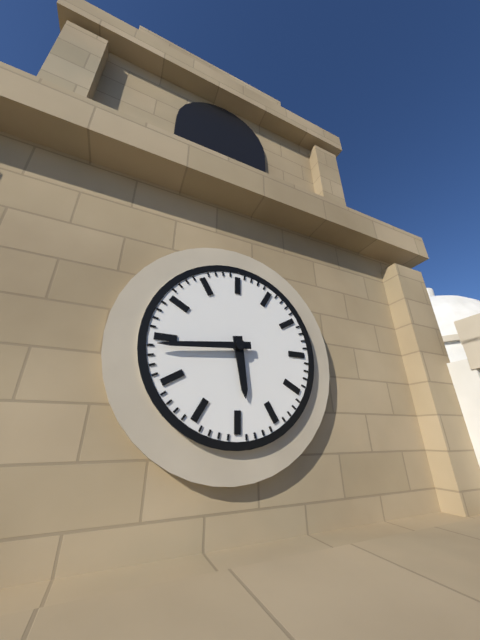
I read 5.44
